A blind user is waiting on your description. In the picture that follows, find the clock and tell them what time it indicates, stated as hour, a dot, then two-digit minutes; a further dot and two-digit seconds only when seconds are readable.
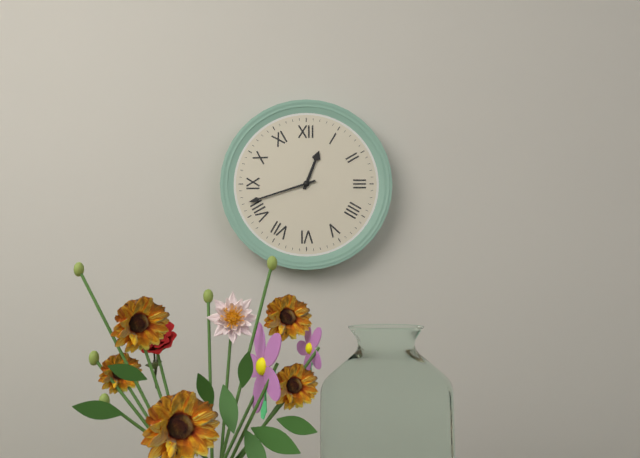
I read 12.42
